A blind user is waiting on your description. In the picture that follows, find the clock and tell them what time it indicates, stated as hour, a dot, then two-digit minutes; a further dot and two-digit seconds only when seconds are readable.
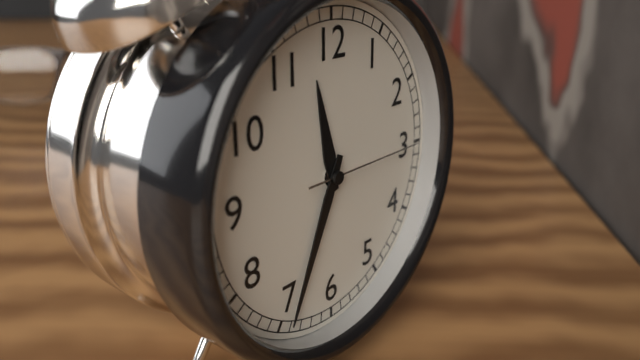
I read 11.34.15
